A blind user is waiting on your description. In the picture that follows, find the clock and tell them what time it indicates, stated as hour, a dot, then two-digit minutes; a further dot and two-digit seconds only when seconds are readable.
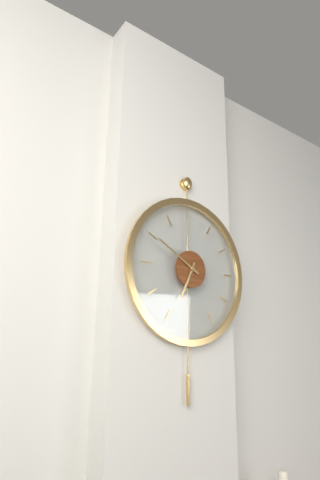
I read 6.50
